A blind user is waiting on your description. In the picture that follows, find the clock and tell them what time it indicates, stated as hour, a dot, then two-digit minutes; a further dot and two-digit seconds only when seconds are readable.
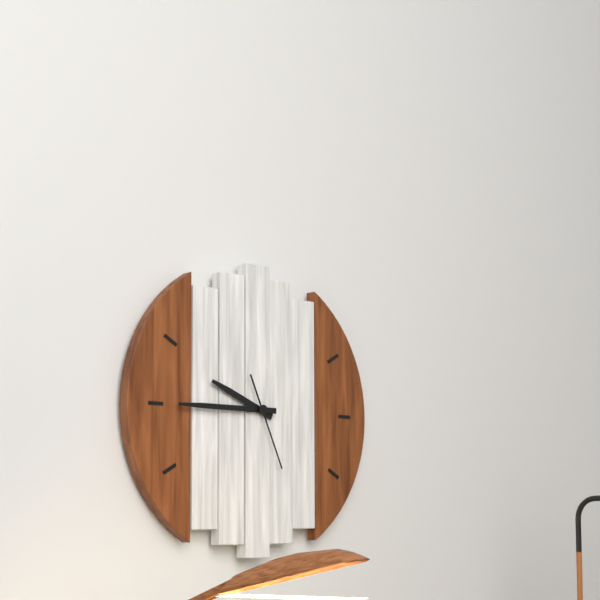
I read 9.45.26
